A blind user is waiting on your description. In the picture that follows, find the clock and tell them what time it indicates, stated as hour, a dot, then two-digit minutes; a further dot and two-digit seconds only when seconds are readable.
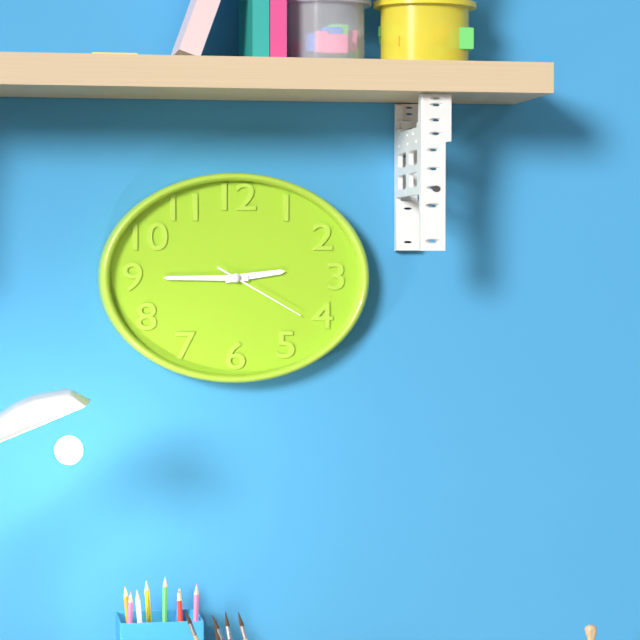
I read 2.45.20
